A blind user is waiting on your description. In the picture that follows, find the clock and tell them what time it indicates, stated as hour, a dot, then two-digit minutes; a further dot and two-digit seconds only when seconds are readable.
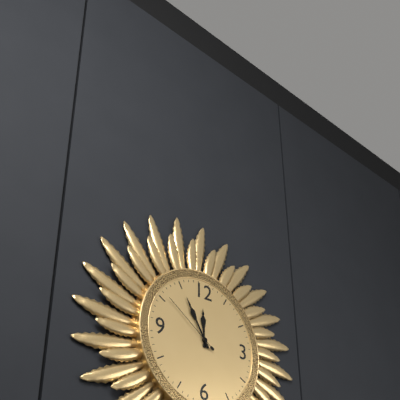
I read 11.55.51
